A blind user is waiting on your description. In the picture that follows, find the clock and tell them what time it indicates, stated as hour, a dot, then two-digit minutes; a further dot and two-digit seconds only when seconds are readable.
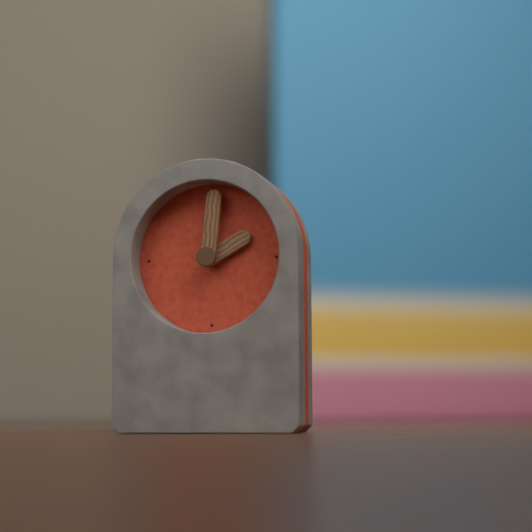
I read 2.01
